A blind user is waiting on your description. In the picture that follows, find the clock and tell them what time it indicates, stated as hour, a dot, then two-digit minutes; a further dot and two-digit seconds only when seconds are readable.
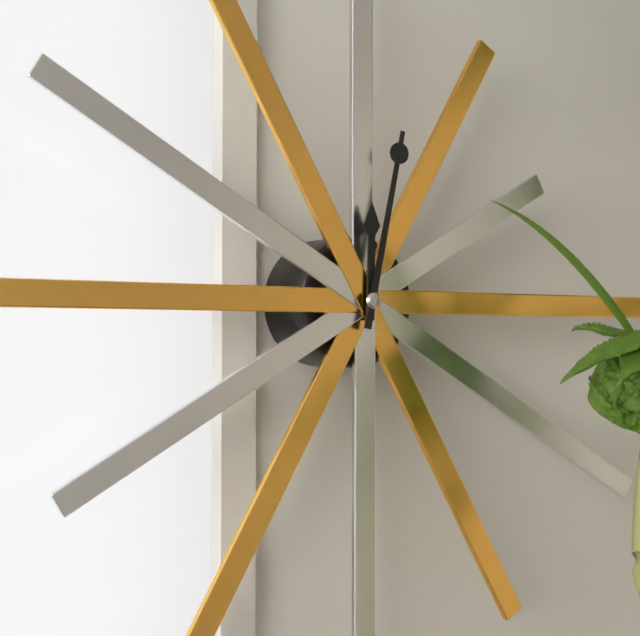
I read 12.02
